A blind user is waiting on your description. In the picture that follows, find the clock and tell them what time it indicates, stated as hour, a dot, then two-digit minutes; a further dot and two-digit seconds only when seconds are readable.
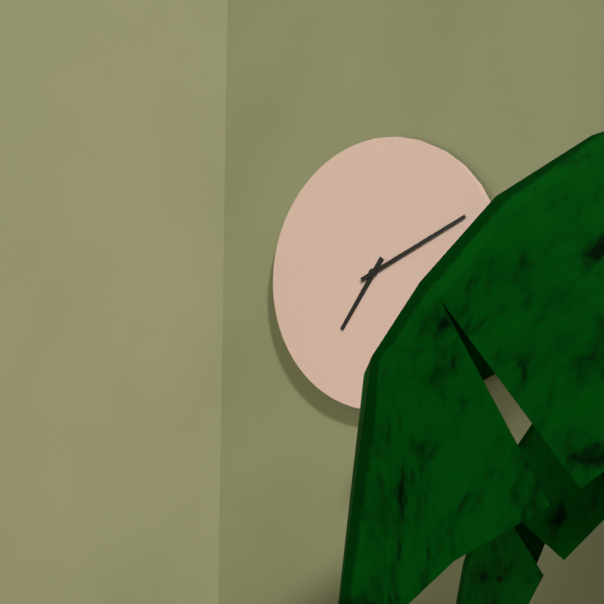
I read 7.11
